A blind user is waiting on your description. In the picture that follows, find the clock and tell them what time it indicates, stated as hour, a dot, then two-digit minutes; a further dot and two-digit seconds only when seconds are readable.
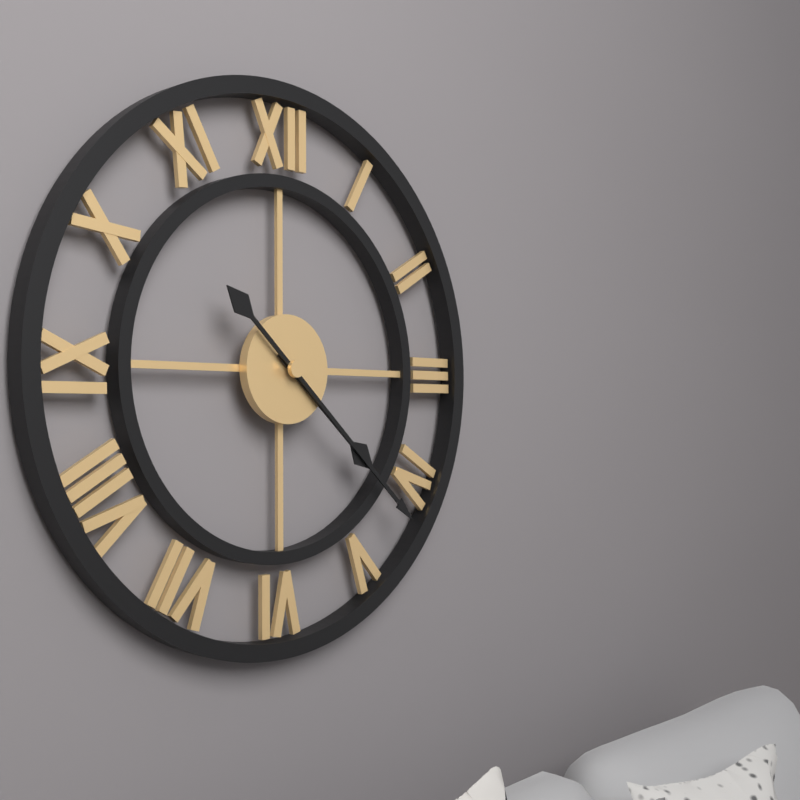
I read 4.22
